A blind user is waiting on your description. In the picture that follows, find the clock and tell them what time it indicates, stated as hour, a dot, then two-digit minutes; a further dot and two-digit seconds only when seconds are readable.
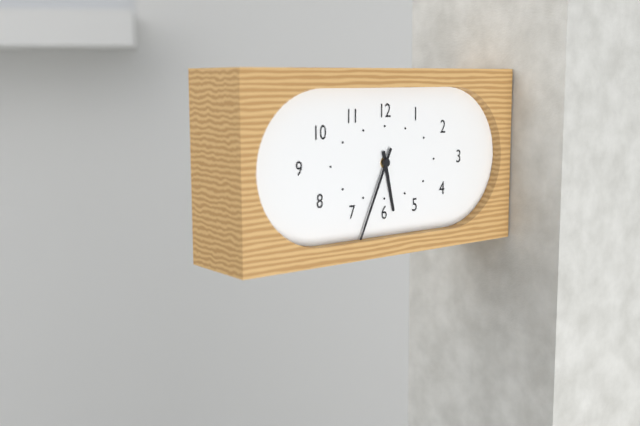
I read 5.34
